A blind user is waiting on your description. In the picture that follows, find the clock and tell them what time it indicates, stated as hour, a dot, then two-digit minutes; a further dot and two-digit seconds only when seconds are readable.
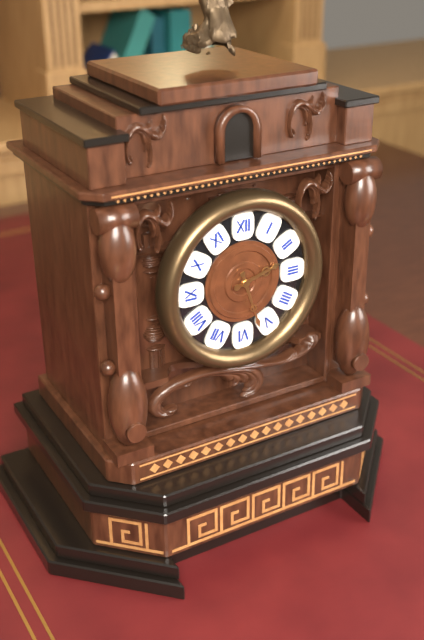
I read 2.27
